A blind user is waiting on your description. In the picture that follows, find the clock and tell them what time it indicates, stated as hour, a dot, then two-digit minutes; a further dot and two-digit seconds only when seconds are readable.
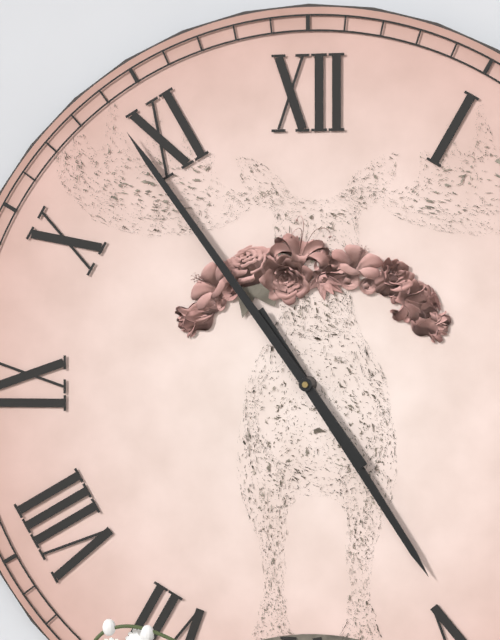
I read 4.54
